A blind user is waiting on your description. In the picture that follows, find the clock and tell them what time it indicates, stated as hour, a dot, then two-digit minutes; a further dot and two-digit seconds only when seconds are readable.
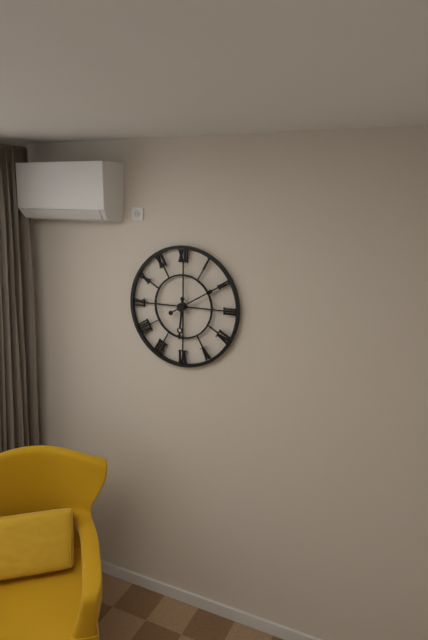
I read 6.10
